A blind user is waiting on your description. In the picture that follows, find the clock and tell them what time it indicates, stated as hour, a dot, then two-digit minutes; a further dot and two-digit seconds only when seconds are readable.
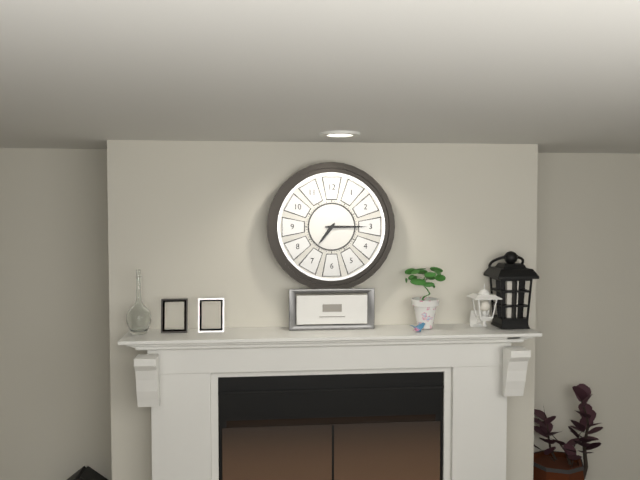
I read 7.15
